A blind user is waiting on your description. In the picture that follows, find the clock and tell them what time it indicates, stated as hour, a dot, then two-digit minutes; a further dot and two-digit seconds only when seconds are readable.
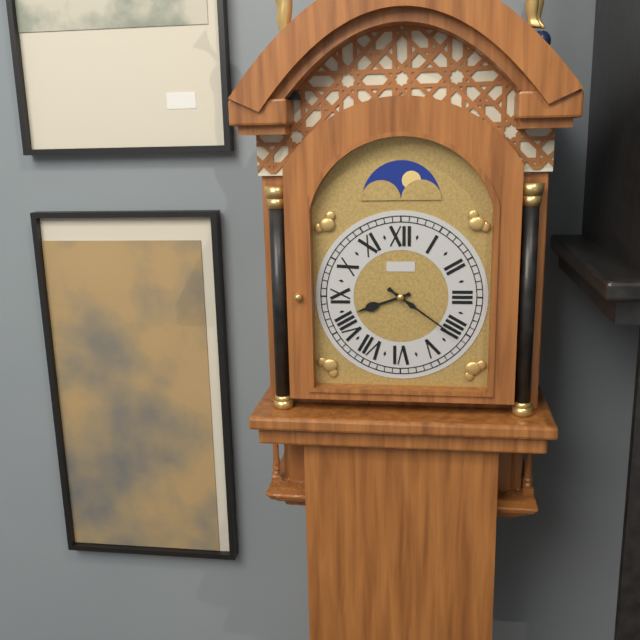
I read 8.21
